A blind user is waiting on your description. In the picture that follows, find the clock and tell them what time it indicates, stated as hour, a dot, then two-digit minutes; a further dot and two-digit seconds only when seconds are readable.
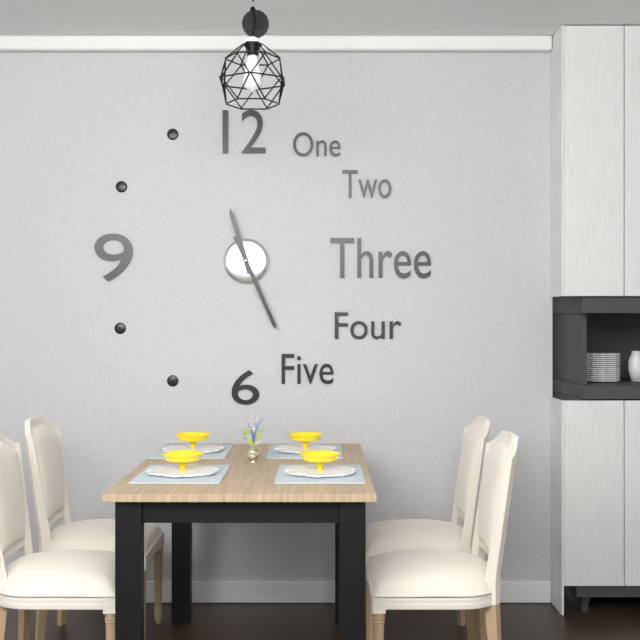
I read 11.26
